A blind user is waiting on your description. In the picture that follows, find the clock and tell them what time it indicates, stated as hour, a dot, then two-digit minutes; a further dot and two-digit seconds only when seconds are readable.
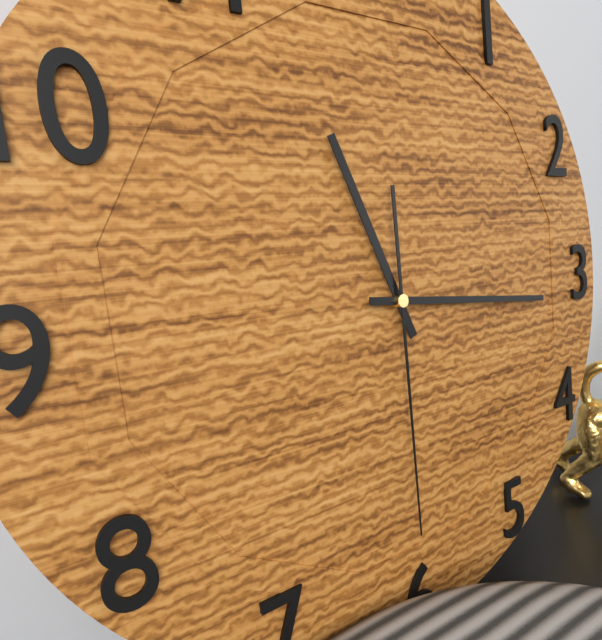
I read 11.16.30
